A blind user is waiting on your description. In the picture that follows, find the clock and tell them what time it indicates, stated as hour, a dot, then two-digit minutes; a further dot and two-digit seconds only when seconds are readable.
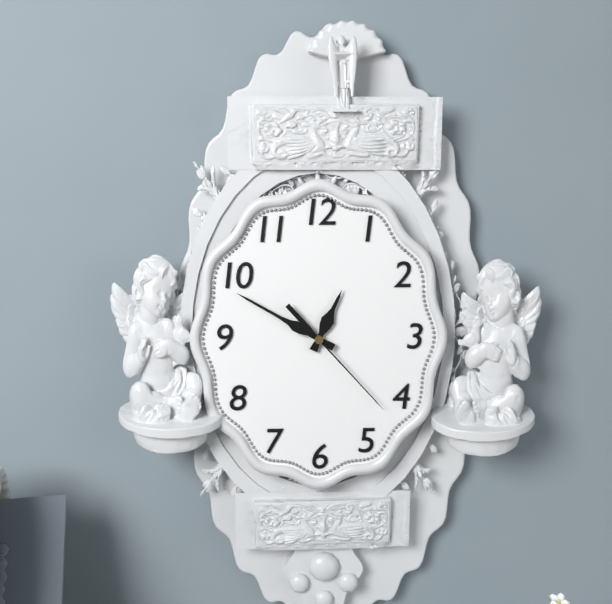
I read 12.50.23
